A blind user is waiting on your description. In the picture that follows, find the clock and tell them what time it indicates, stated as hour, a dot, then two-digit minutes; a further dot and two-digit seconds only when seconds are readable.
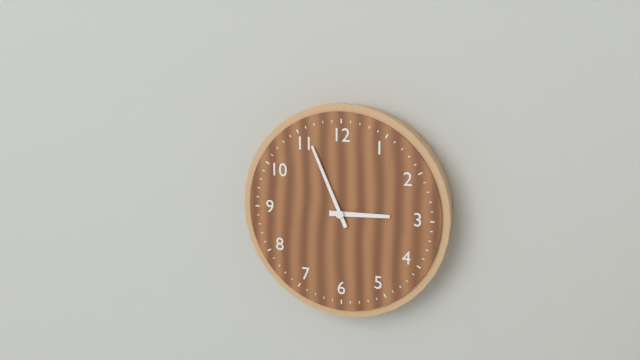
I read 2.56
